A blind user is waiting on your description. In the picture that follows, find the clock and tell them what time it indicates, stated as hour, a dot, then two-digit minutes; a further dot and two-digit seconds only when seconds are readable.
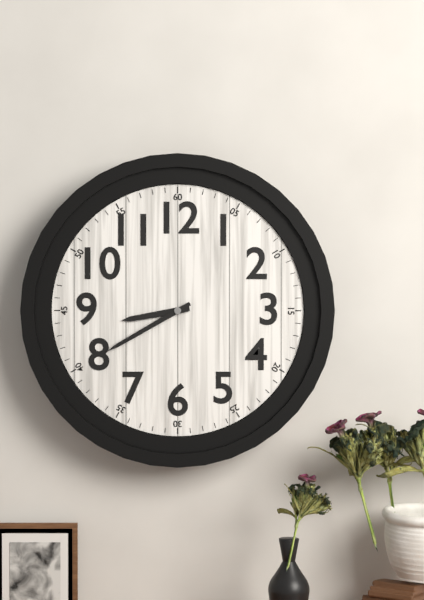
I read 8.40
